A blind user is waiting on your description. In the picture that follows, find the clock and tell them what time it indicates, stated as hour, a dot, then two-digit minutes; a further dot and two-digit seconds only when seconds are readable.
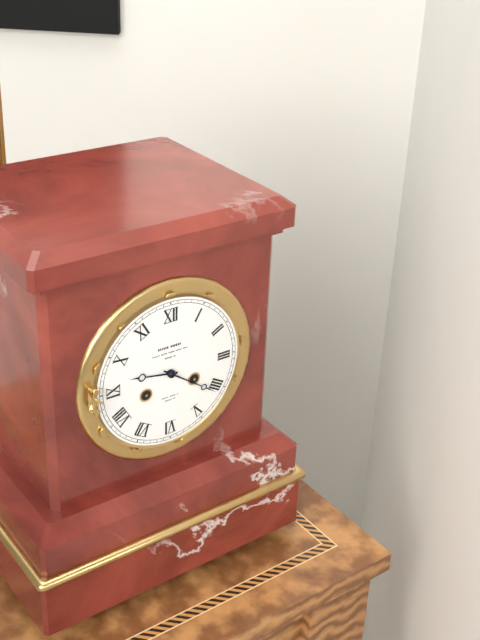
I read 9.21
